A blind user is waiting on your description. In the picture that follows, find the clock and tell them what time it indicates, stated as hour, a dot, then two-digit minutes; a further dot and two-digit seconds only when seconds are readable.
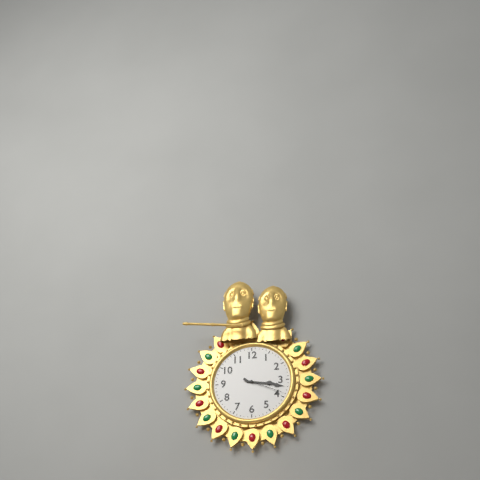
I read 3.17
